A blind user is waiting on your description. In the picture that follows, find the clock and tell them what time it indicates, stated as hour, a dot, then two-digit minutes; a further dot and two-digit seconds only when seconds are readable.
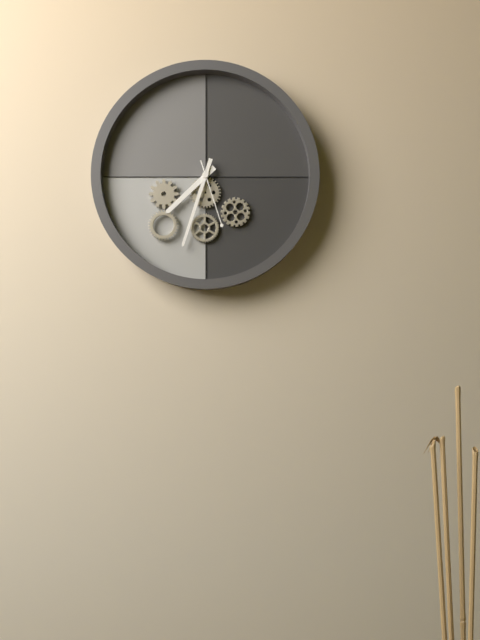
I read 7.33.27
